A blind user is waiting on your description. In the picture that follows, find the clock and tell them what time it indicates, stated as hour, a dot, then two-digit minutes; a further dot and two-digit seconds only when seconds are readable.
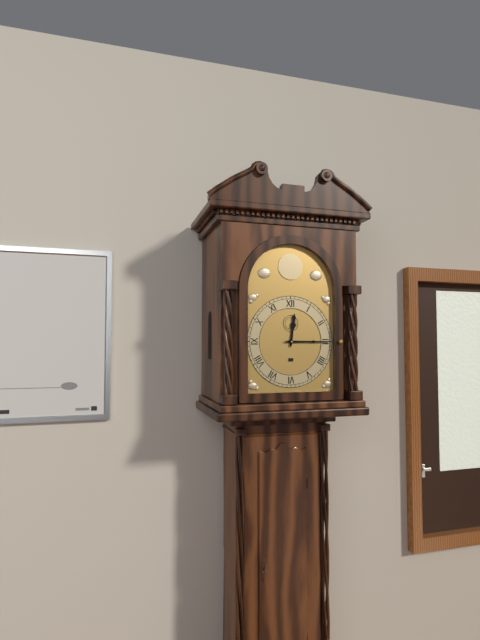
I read 12.15
